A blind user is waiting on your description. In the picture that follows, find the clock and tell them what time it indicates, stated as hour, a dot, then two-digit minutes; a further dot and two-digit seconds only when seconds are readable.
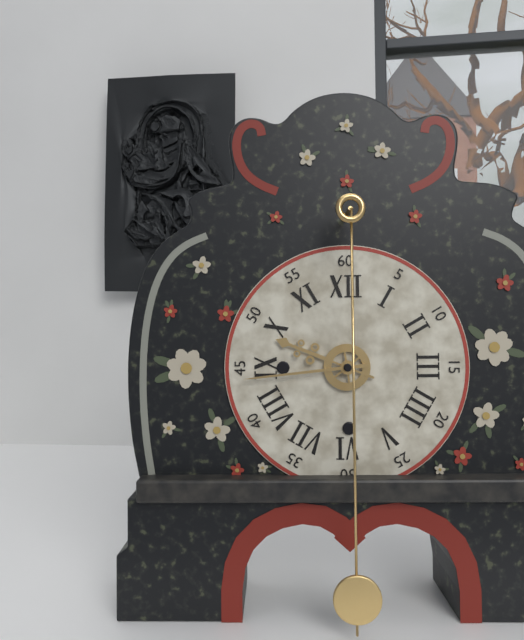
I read 9.44
